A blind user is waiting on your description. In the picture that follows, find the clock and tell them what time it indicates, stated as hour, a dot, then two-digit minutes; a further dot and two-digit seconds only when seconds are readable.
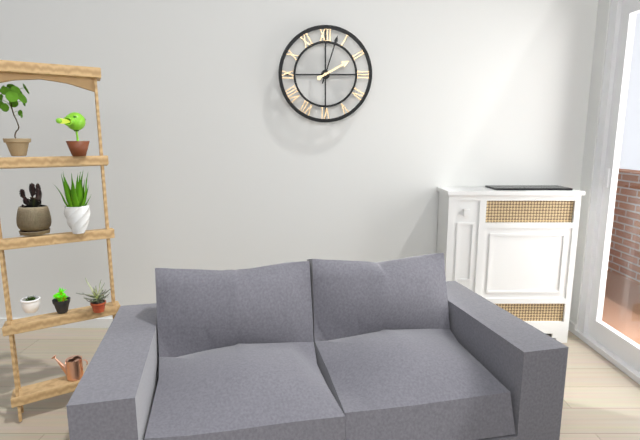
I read 2.03
